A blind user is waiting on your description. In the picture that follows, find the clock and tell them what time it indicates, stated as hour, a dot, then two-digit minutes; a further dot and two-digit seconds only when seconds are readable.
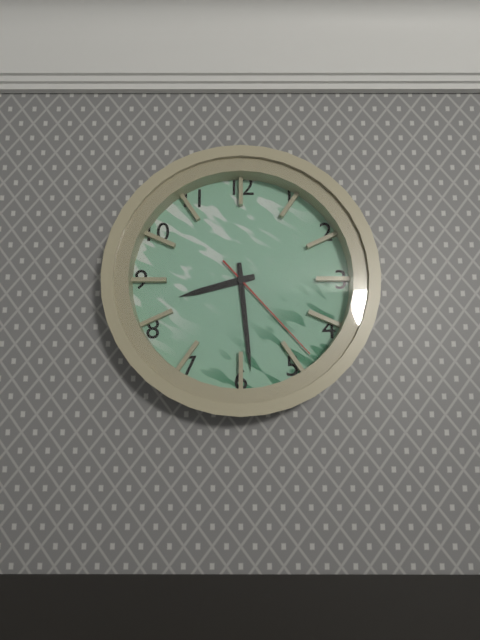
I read 8.29.23
